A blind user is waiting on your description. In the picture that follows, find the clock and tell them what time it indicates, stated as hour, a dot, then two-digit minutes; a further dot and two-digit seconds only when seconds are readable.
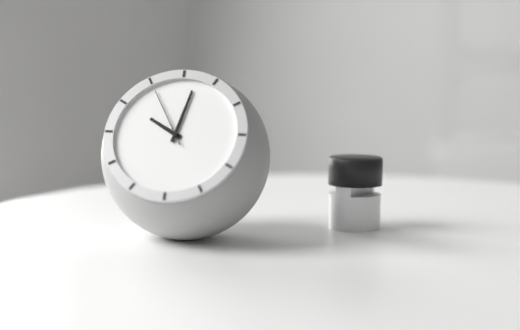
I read 10.02.55
